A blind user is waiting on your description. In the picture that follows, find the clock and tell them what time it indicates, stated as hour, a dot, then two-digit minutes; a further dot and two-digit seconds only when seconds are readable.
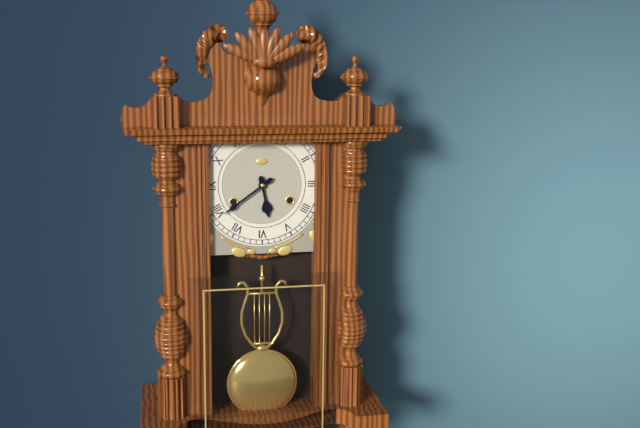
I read 5.39
